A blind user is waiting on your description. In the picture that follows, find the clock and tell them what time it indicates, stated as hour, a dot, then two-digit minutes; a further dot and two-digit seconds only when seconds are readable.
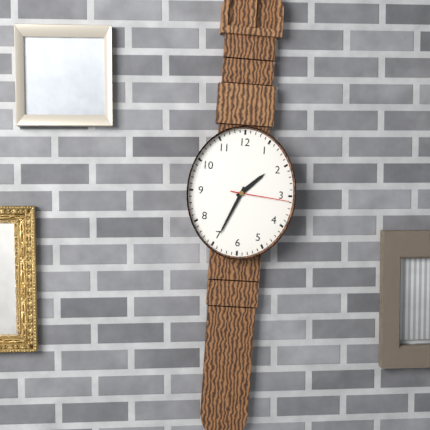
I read 1.34.16
